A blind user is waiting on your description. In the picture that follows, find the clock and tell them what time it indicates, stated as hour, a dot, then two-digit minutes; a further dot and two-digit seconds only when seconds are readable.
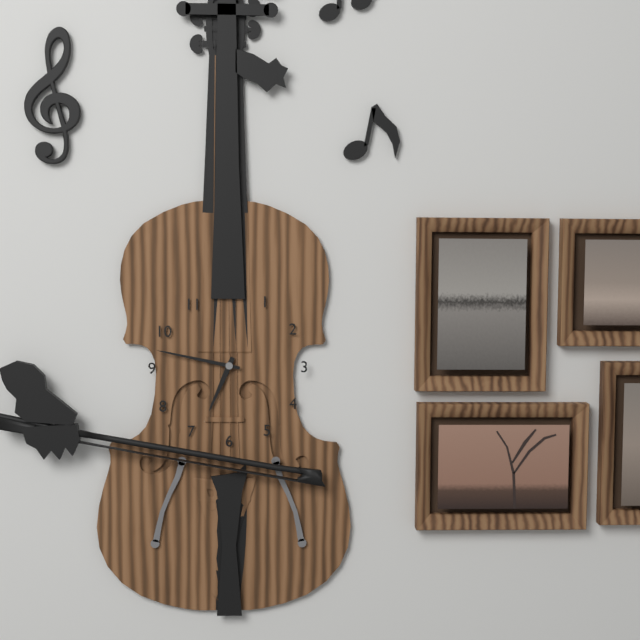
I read 6.47
